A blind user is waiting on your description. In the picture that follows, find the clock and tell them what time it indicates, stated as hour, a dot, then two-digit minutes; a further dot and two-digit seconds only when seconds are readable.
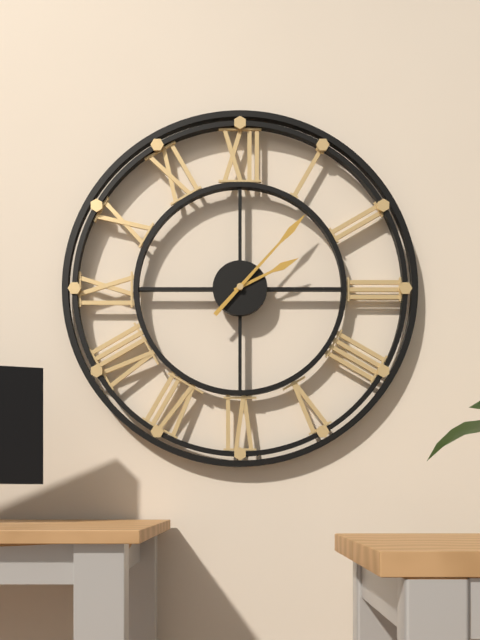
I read 2.07
